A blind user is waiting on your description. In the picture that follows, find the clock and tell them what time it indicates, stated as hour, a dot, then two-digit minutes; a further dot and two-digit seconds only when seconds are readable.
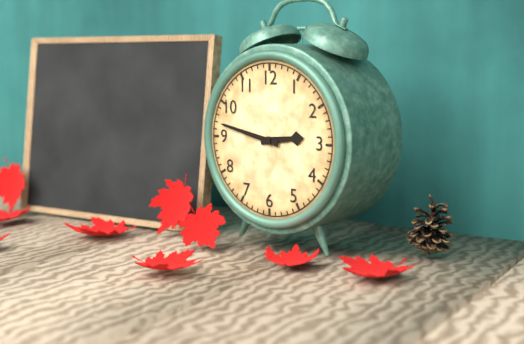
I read 2.47
